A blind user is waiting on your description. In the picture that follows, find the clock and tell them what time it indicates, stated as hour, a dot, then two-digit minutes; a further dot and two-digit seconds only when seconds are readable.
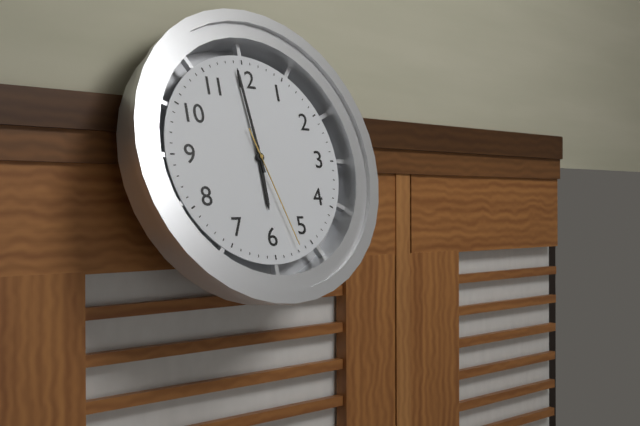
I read 5.59.27
